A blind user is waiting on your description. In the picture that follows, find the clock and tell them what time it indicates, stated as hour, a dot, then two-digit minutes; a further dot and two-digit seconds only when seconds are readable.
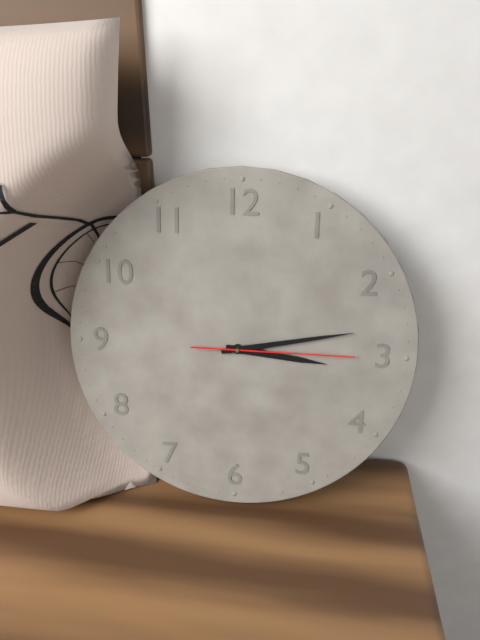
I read 3.13.15
